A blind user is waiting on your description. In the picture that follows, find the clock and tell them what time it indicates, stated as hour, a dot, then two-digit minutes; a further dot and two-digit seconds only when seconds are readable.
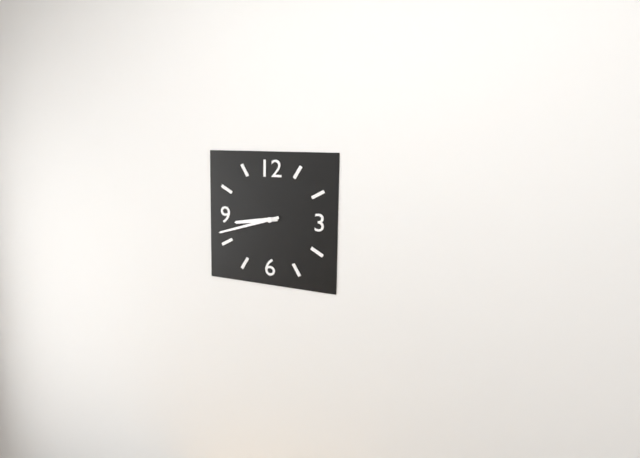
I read 8.42
